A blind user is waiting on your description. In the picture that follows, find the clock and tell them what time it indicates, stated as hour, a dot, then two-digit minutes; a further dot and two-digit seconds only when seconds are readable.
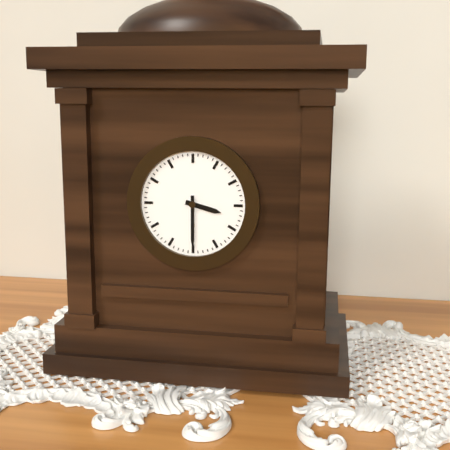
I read 3.30
